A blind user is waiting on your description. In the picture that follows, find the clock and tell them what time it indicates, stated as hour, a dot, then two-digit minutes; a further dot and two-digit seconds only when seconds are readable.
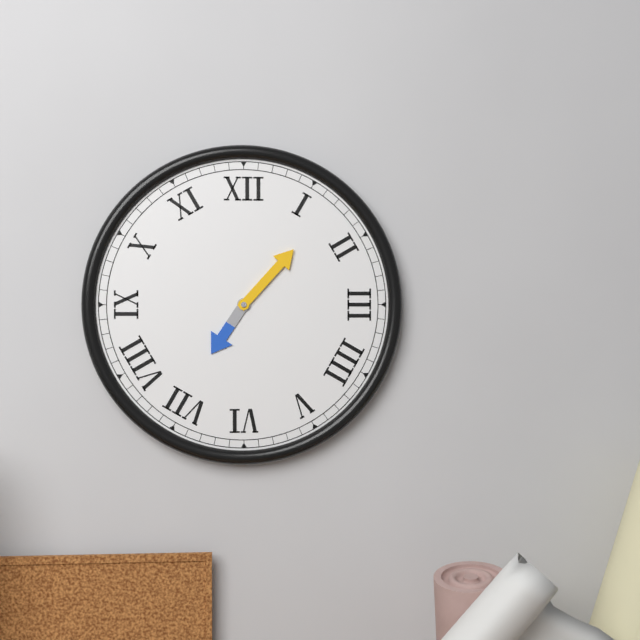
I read 7.07
